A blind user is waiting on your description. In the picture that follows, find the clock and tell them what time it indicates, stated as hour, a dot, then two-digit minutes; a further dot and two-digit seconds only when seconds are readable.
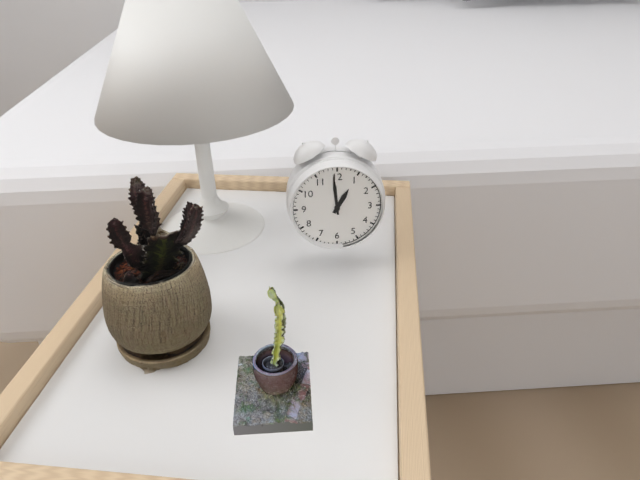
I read 12.59
